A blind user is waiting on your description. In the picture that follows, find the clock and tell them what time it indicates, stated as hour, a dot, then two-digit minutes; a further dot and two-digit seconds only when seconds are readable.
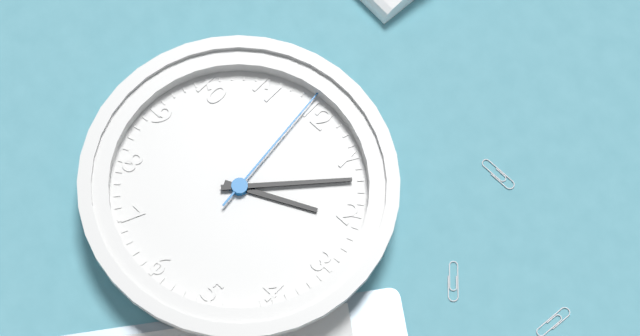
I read 2.07.59
